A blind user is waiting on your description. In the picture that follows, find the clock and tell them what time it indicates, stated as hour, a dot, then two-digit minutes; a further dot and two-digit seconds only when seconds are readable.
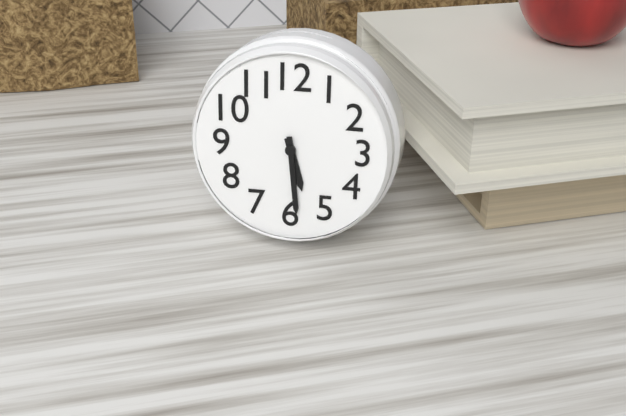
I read 5.29
